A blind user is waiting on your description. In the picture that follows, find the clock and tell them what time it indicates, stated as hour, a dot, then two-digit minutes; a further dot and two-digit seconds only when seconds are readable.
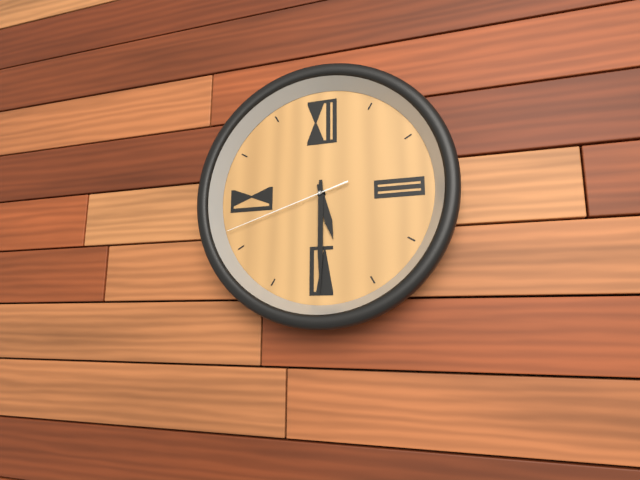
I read 5.30.42
